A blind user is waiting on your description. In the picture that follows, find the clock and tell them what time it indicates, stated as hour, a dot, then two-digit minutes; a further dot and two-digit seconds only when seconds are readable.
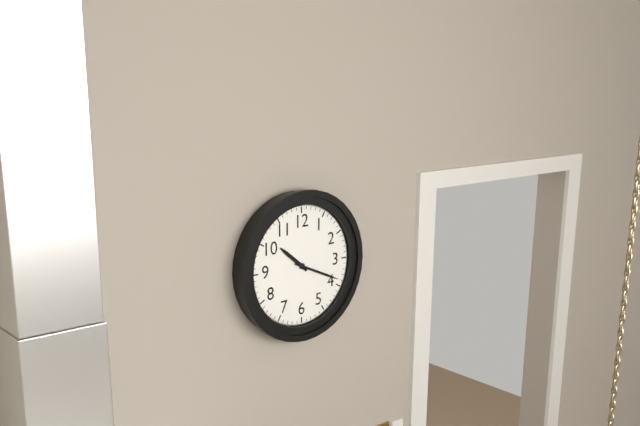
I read 10.19
